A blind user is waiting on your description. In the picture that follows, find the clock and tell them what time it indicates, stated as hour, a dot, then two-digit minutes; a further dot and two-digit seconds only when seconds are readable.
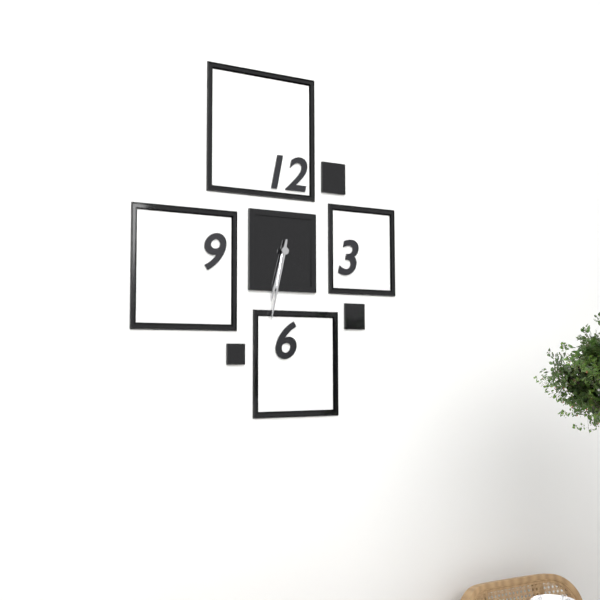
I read 6.32
